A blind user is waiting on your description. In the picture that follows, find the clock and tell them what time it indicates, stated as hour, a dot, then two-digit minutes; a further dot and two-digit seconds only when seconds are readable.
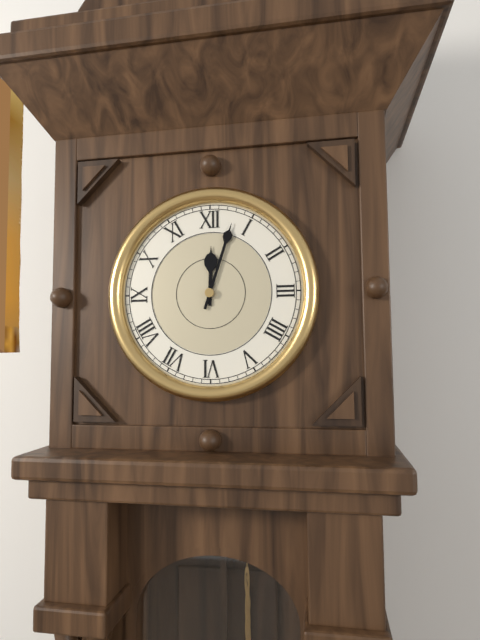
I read 12.03
